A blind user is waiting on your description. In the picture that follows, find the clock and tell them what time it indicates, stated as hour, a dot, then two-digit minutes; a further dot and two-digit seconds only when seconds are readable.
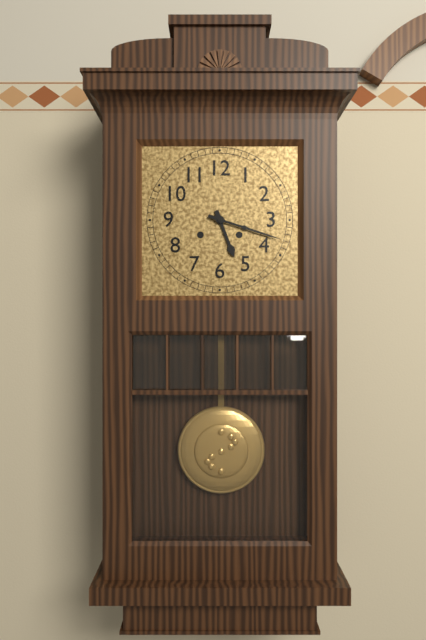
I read 5.18
